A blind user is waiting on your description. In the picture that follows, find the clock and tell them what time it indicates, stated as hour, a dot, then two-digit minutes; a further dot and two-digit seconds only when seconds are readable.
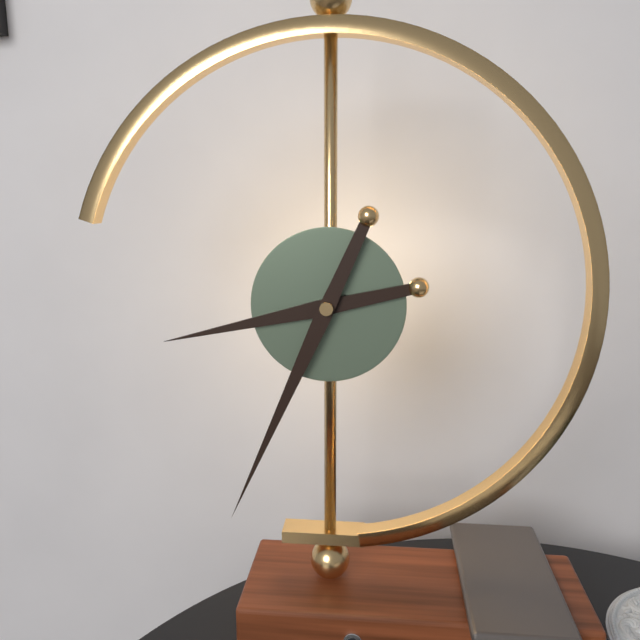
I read 8.34
